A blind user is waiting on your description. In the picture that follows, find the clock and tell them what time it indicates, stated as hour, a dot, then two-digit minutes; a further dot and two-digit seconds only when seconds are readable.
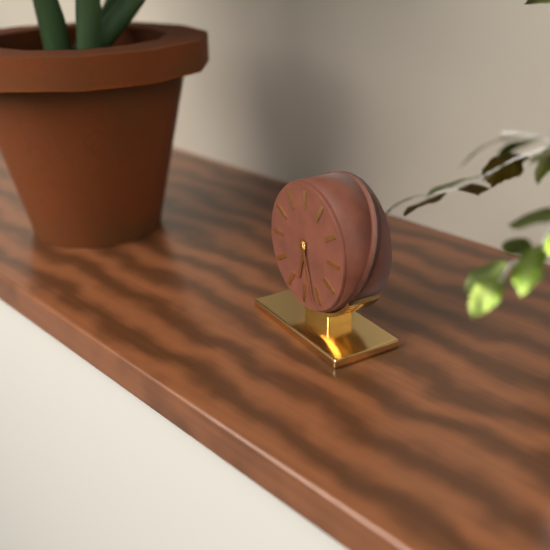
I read 6.27
